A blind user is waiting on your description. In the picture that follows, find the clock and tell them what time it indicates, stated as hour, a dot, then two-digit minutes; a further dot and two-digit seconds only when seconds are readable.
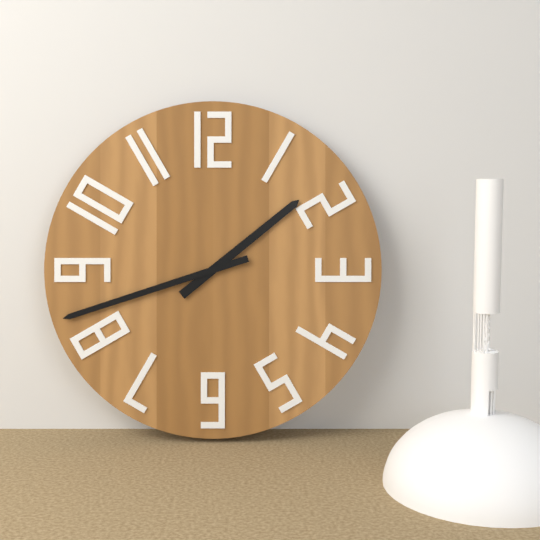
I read 1.42
